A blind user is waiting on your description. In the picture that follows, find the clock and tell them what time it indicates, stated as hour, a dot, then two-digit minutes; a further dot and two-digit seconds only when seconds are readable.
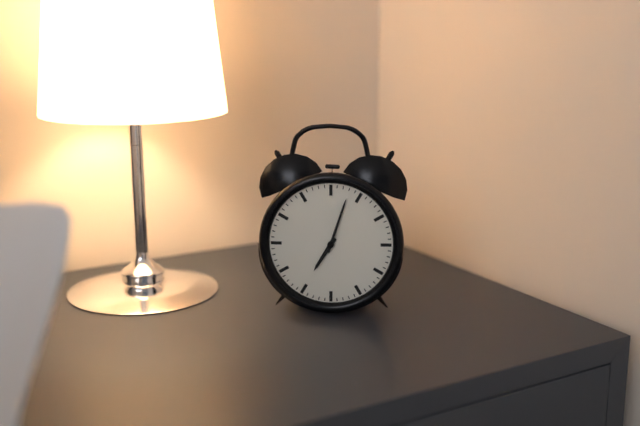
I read 7.03
